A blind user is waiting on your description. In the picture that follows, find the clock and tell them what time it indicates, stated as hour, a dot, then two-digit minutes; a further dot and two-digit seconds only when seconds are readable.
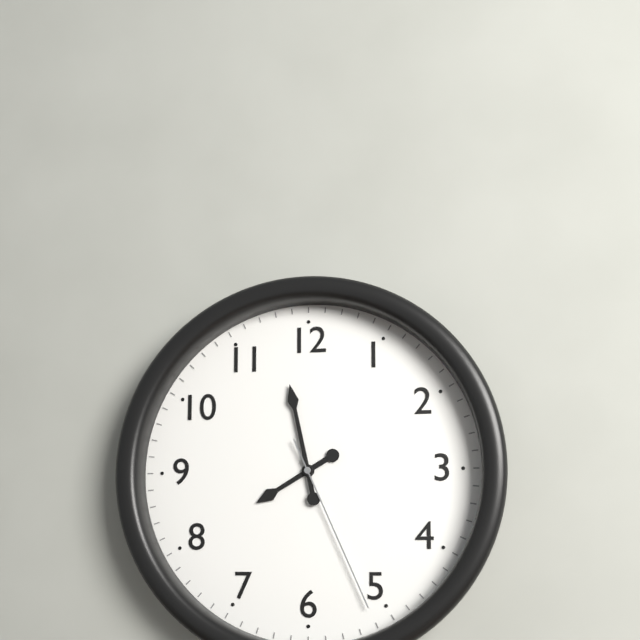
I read 7.58.26
